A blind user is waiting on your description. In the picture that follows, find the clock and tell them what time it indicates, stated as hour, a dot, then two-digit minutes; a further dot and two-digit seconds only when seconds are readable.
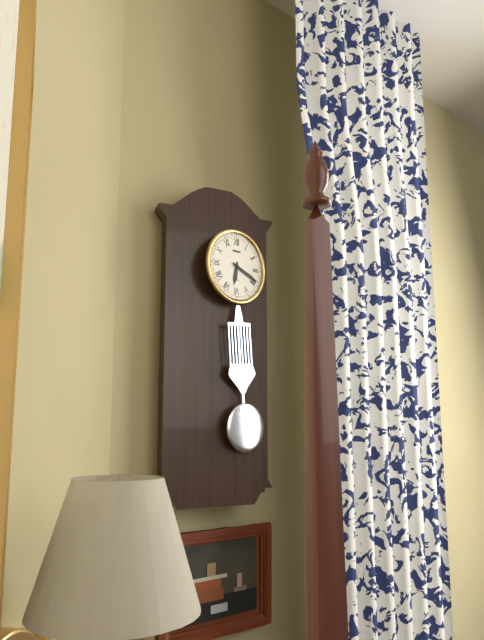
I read 6.19
